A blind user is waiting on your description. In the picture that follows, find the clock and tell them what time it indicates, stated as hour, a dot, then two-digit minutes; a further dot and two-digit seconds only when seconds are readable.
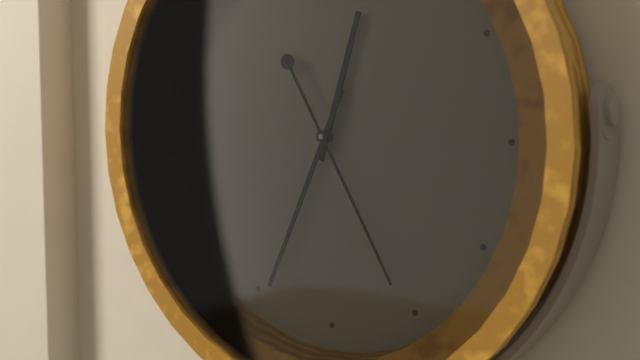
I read 12.34.25
